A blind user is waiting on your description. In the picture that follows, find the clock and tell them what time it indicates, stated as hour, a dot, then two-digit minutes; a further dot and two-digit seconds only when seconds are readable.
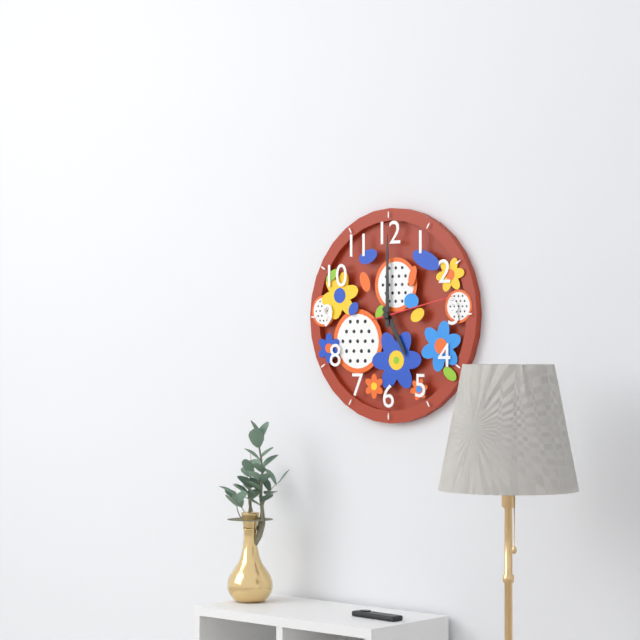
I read 5.00.13
